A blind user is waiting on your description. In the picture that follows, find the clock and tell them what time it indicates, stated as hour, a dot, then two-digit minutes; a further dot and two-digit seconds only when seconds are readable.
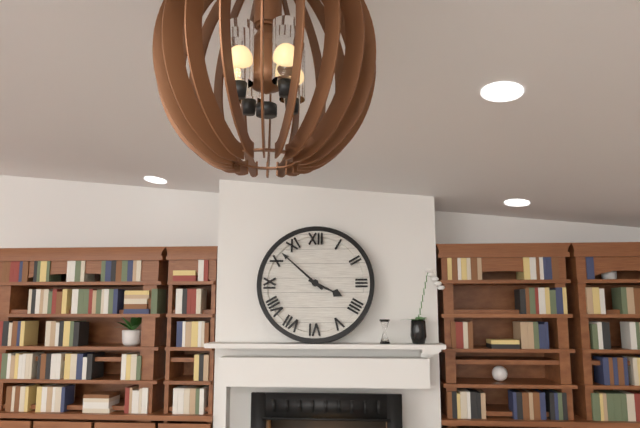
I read 3.52
